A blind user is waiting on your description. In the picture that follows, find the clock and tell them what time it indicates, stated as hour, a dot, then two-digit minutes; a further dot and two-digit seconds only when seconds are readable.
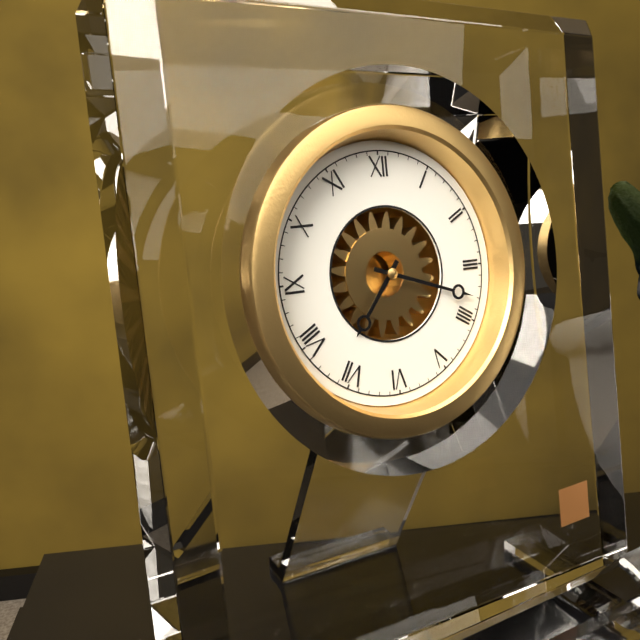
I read 7.18
